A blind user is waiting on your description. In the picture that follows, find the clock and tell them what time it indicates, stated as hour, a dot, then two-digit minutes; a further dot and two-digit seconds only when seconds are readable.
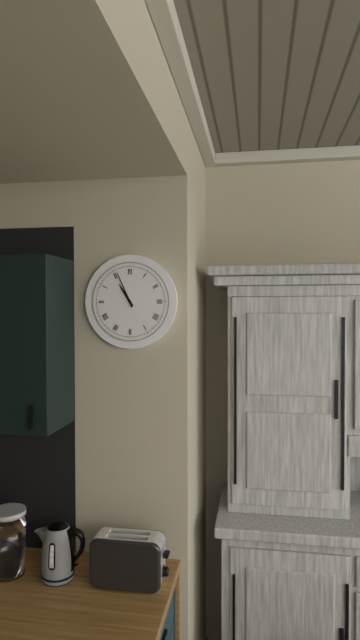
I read 10.56
